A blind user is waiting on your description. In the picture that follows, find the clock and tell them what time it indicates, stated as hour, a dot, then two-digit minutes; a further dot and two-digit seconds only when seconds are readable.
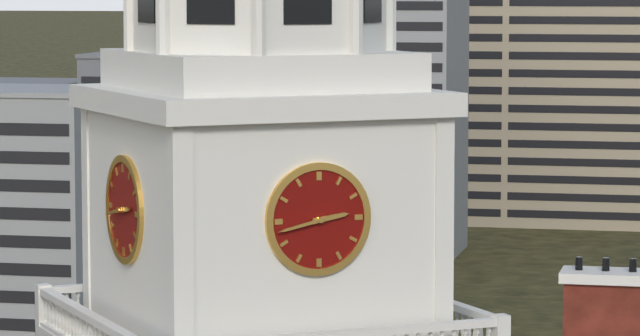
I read 2.43
